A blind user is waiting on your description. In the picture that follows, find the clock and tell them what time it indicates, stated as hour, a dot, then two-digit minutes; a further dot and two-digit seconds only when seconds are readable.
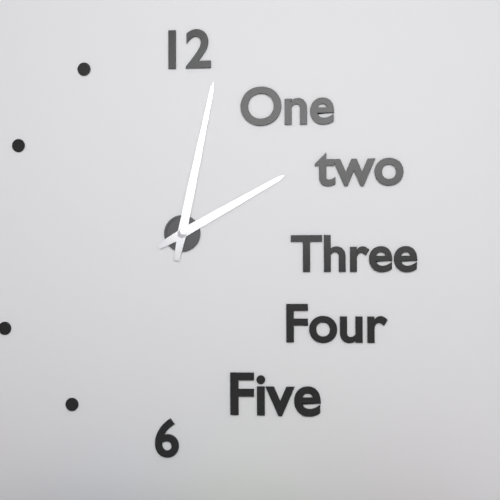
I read 2.02
